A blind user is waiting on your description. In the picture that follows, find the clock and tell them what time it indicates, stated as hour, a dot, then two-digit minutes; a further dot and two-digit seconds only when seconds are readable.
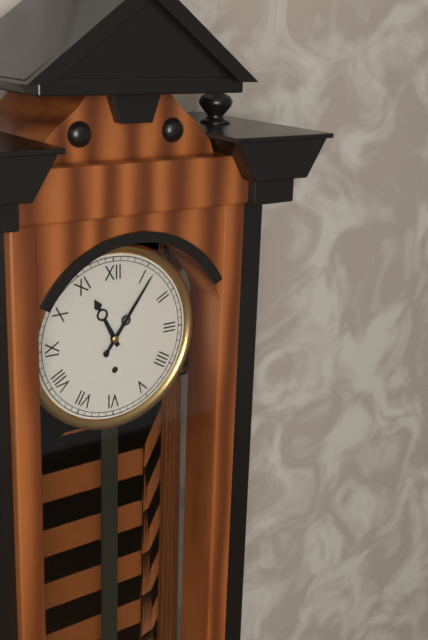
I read 11.06
